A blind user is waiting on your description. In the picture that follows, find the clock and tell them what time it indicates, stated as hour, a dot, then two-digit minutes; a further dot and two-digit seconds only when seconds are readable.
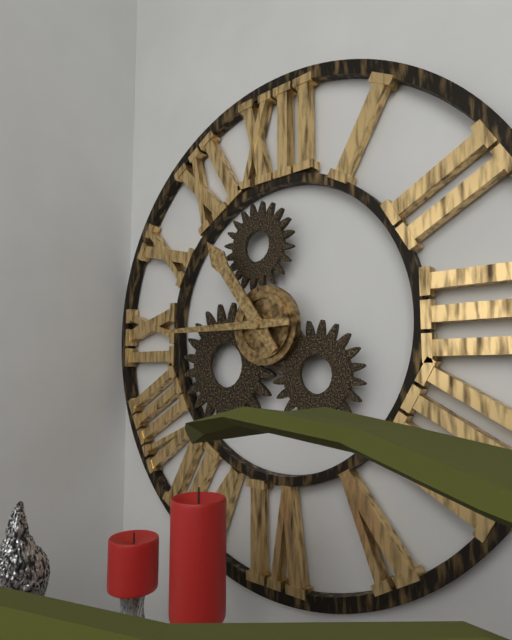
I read 10.45
